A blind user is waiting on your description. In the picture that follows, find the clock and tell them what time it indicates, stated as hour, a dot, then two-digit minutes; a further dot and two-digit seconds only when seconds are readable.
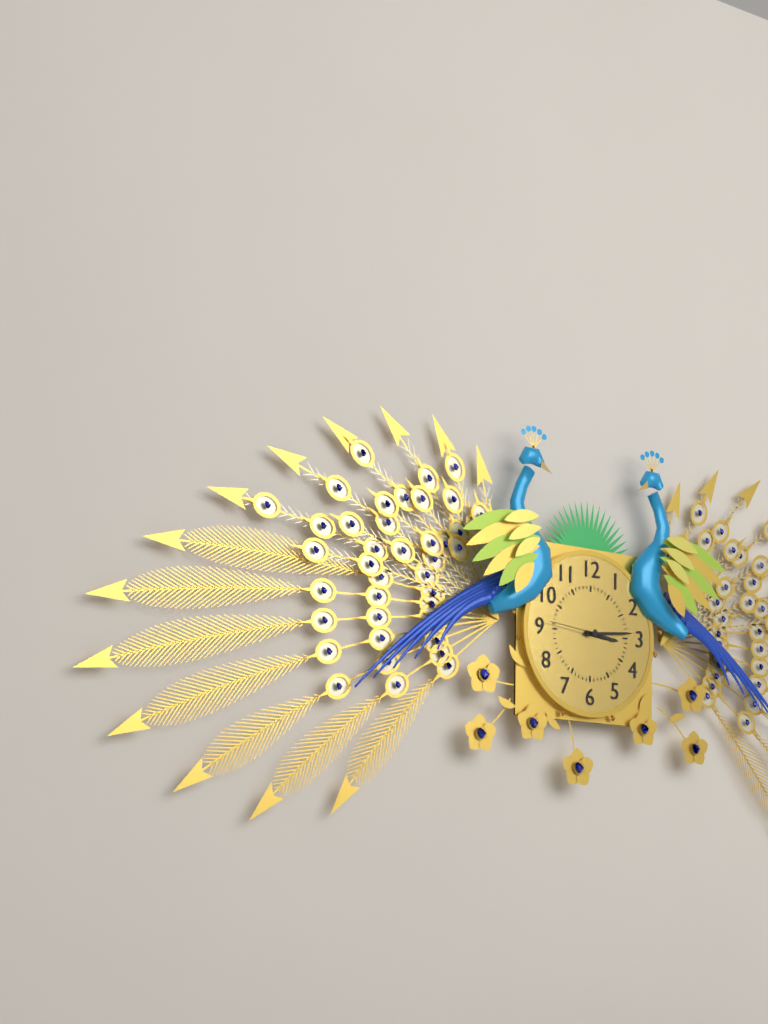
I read 3.14.46
